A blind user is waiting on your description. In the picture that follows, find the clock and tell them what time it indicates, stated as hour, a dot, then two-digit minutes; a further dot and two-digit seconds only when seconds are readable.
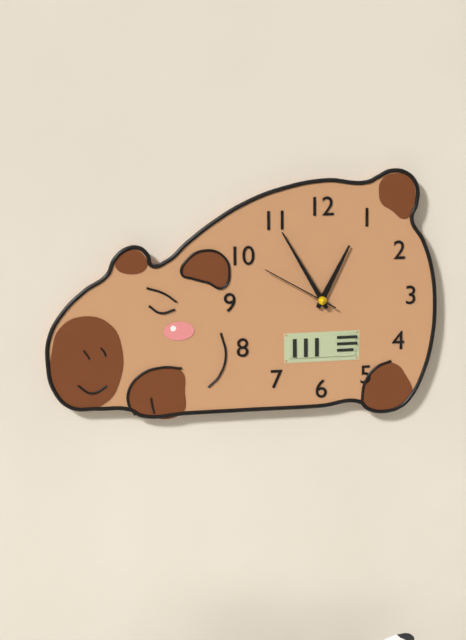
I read 12.55.50
